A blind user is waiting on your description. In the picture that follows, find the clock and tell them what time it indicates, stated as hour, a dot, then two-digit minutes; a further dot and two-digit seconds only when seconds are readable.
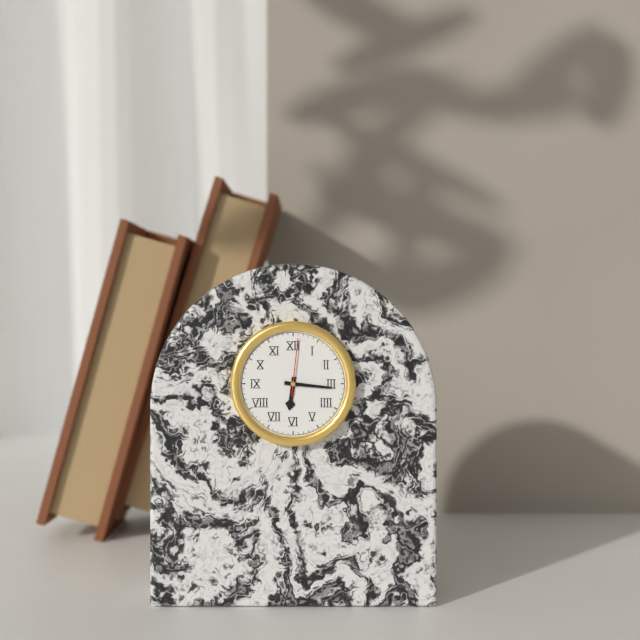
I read 6.16.01
